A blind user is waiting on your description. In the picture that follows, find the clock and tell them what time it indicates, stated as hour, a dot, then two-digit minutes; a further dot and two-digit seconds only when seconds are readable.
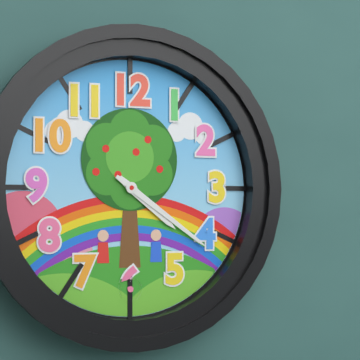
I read 4.21
